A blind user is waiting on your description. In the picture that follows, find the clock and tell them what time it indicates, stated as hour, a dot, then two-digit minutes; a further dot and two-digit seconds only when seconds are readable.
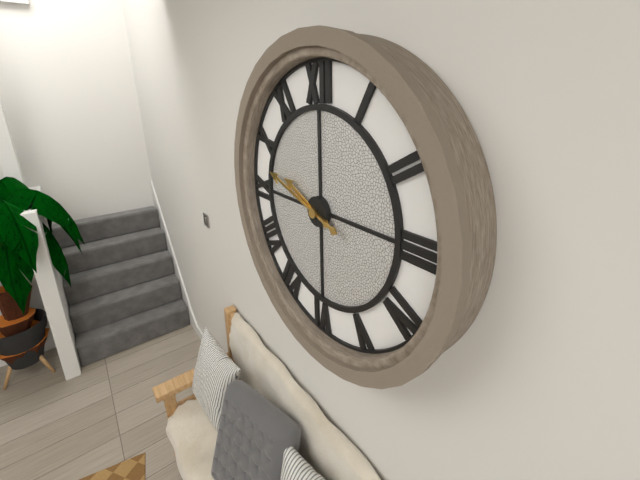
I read 9.48
